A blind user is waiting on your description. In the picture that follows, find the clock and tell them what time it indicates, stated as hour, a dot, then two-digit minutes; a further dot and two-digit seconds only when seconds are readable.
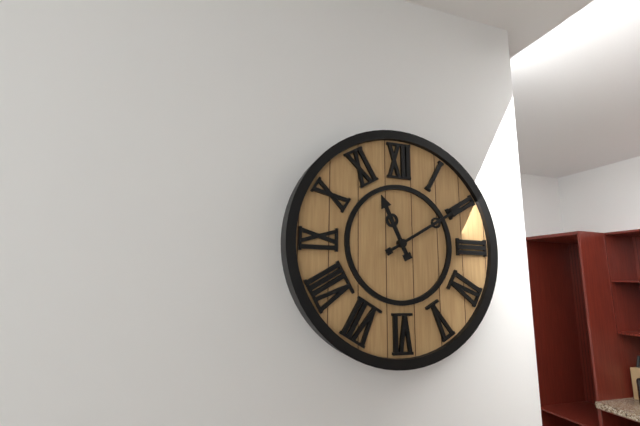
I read 11.10
